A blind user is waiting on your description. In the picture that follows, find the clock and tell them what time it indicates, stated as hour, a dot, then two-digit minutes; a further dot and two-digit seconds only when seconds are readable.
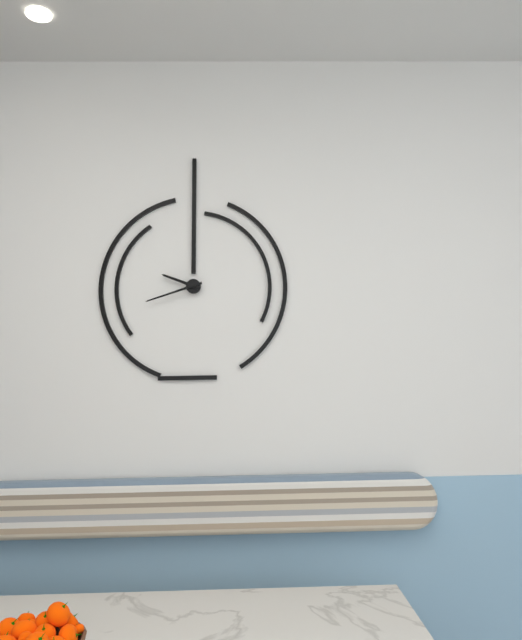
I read 9.42
